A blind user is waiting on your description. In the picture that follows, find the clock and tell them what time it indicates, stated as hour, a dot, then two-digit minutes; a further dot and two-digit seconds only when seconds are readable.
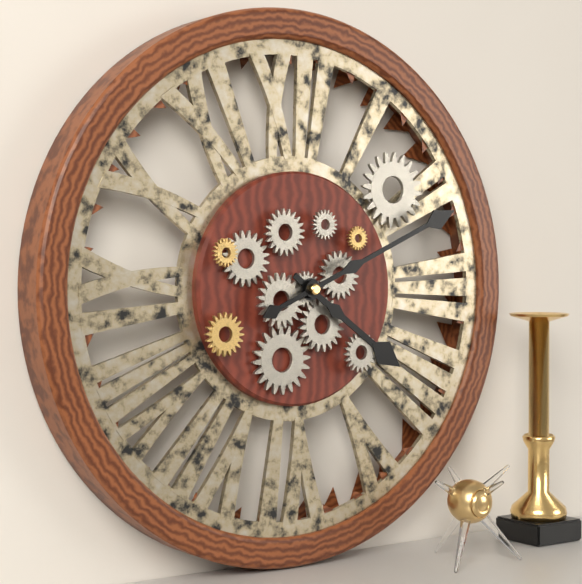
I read 4.11
